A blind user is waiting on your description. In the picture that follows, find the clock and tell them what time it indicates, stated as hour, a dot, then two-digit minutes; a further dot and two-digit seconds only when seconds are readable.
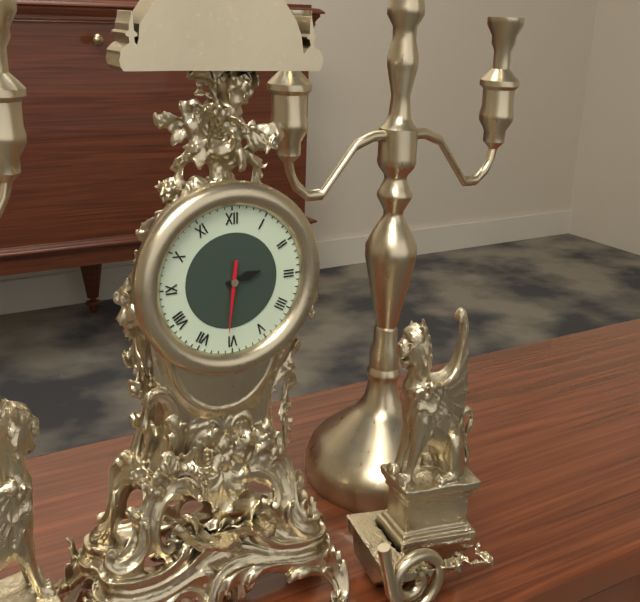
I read 2.31
